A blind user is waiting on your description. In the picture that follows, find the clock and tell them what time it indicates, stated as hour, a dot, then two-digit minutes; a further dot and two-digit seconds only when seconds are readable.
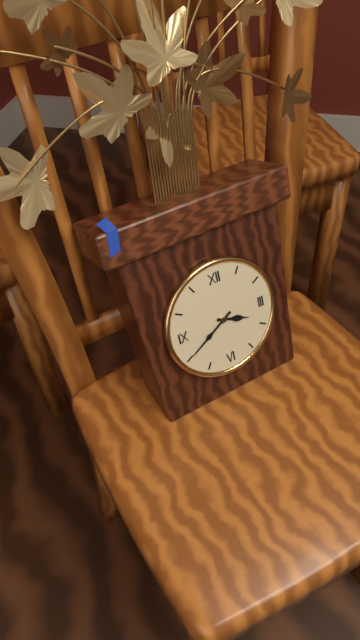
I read 3.40
